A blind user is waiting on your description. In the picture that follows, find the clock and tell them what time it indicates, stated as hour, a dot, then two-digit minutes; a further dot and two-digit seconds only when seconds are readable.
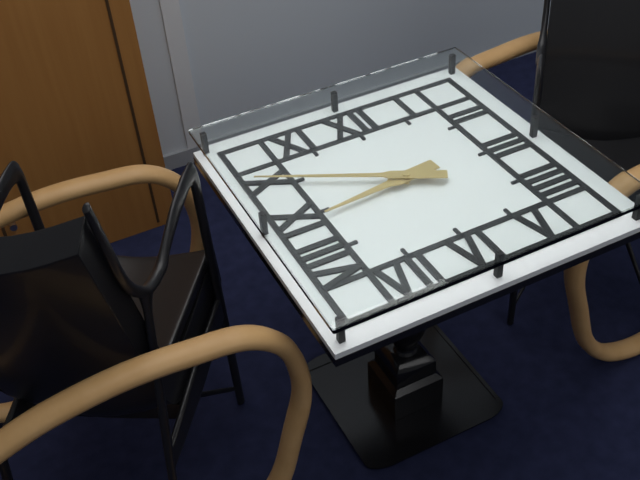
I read 8.50
